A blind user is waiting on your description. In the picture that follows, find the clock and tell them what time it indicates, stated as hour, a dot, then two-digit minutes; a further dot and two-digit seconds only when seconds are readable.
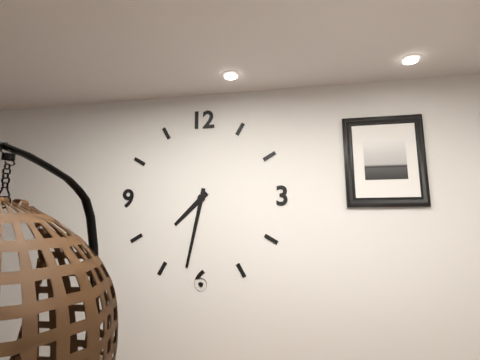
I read 7.32
